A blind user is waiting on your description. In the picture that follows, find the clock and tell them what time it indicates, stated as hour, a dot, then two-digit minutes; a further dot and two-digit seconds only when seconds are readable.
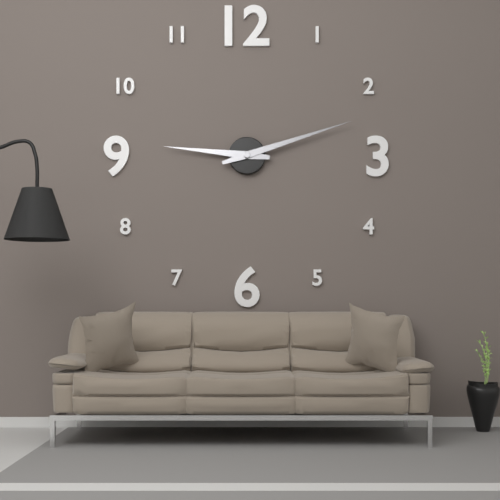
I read 9.12
